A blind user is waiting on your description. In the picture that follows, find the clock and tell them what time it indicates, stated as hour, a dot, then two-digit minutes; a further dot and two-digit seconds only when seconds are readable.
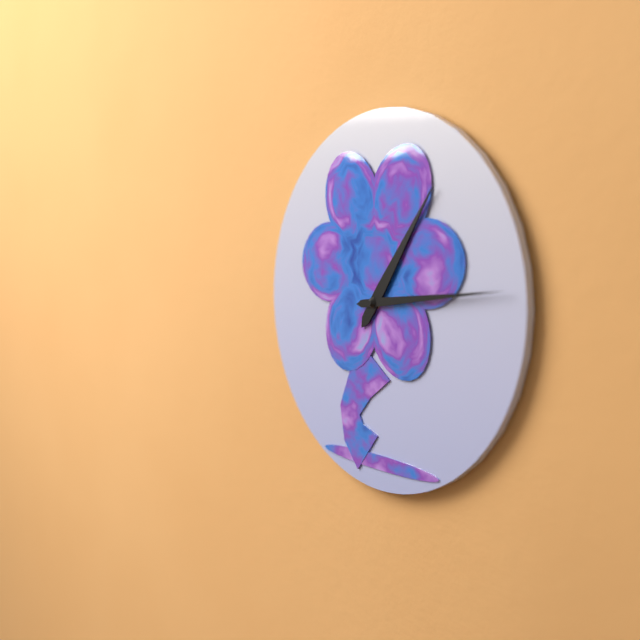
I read 1.14
